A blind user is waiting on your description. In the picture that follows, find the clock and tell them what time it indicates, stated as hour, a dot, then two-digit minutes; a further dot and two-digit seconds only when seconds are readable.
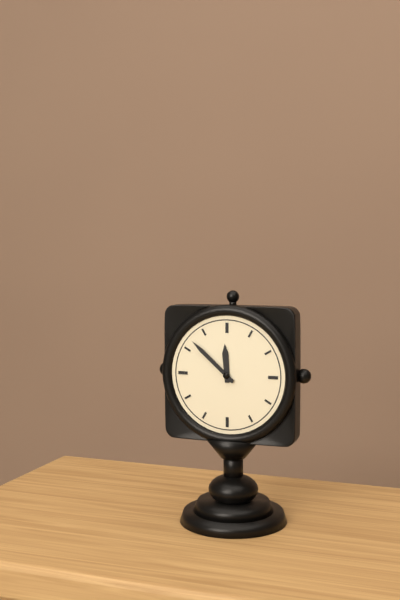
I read 11.52
